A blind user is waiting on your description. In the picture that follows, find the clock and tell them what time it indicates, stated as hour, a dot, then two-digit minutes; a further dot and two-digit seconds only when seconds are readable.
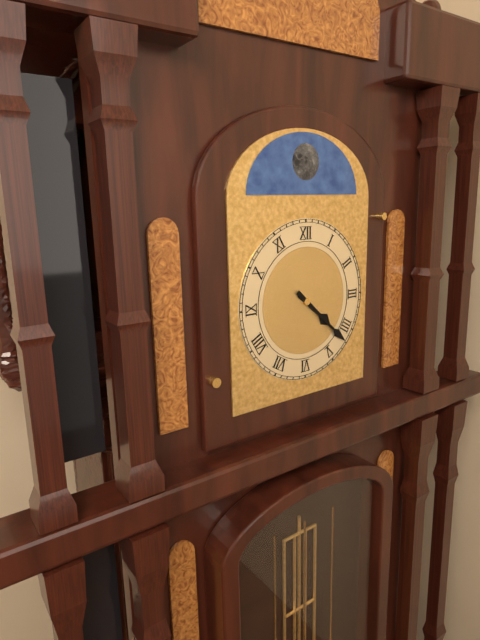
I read 4.22
